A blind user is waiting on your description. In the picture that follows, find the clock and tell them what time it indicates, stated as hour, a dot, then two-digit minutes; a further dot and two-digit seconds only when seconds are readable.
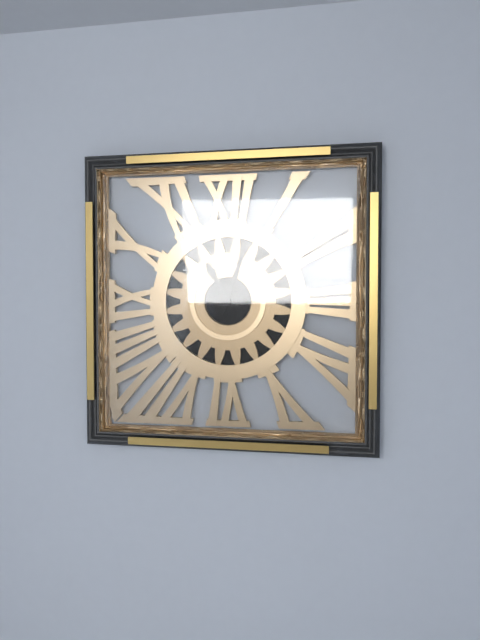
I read 11.03
